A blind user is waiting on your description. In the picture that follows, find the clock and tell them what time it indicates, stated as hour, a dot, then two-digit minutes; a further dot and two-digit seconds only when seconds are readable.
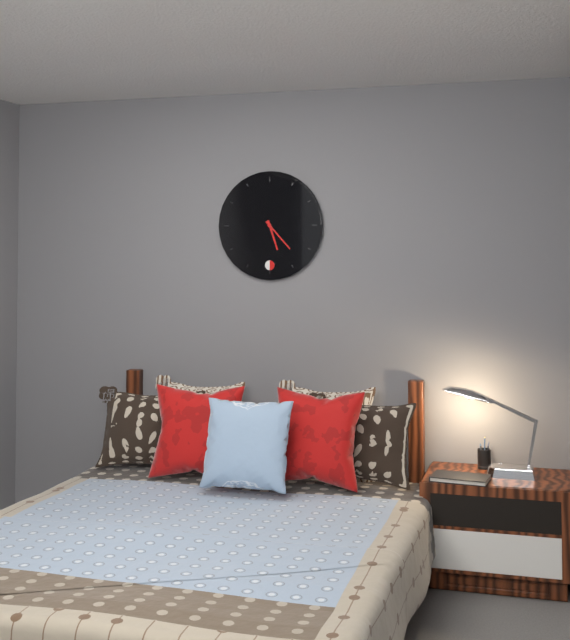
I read 5.23
